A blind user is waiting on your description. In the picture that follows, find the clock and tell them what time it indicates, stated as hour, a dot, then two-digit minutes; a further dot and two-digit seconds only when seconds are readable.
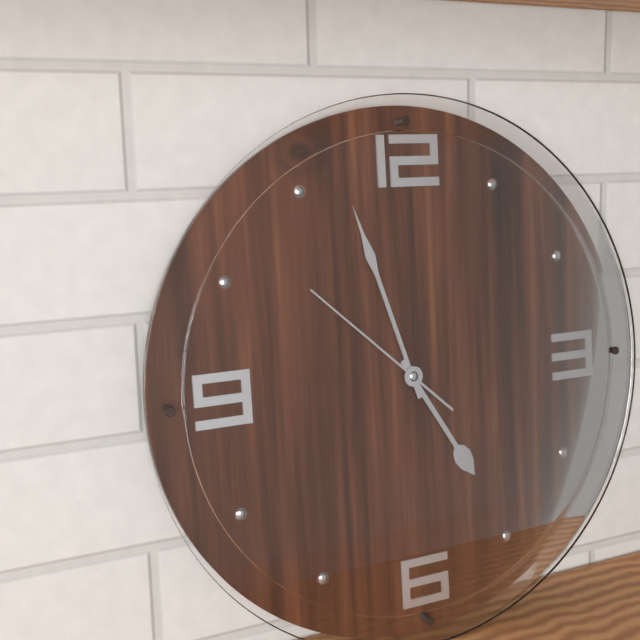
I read 4.57.52
